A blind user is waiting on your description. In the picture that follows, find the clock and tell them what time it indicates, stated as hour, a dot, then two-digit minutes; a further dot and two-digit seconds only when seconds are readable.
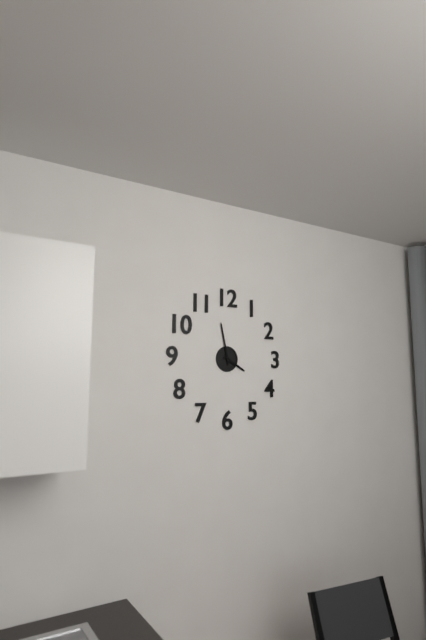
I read 3.58
